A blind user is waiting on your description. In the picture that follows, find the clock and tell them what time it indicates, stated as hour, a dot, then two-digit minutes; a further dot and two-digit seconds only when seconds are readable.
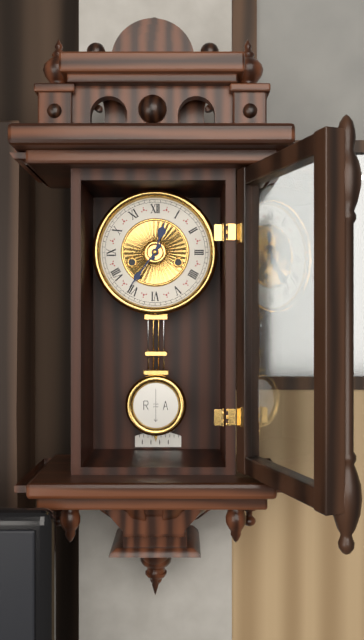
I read 12.36
